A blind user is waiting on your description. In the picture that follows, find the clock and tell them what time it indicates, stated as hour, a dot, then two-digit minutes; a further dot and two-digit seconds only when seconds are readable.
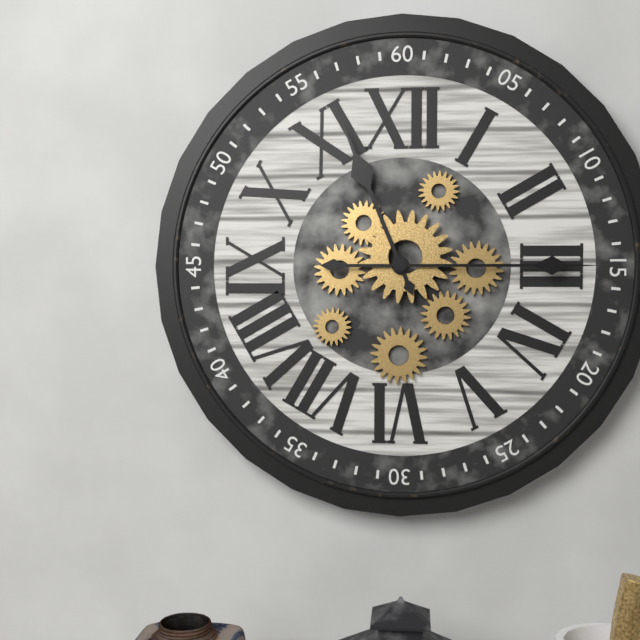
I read 11.15
